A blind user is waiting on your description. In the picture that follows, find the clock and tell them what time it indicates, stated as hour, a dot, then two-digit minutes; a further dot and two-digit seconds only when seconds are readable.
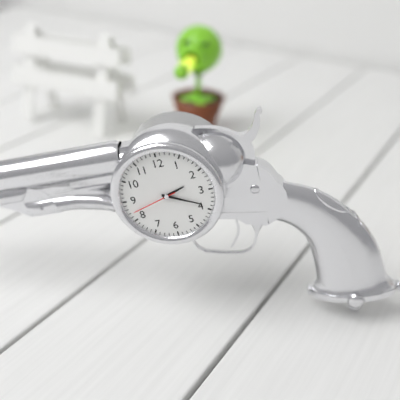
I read 2.19
